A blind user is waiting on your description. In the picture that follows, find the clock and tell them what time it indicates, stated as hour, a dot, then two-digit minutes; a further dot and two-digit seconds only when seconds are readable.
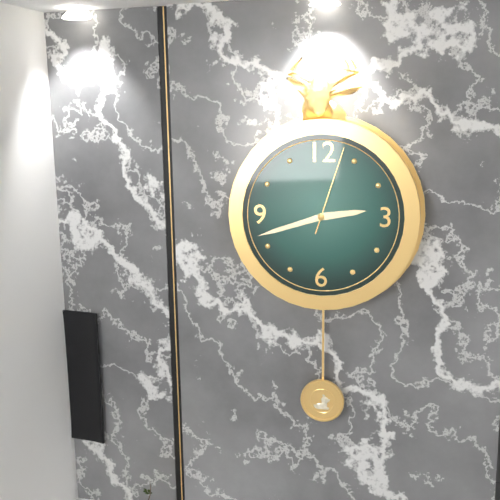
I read 2.42.03
